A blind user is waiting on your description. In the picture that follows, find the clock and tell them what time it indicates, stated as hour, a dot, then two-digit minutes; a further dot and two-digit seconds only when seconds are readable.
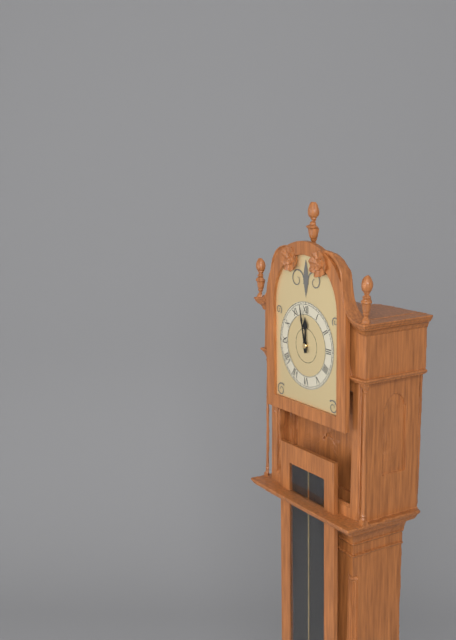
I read 11.58
